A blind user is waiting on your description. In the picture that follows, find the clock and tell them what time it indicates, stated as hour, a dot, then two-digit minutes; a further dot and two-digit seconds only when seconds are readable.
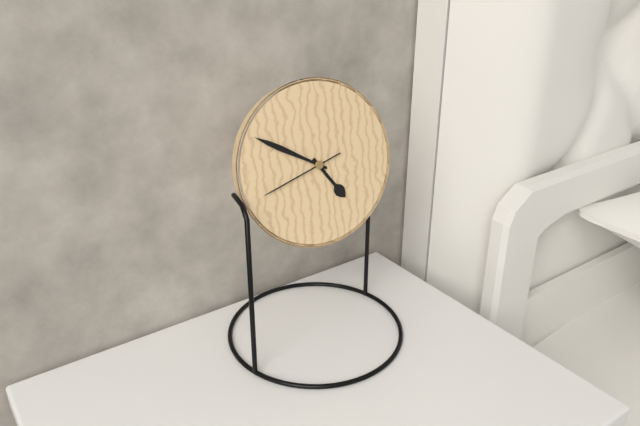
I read 4.50.42
